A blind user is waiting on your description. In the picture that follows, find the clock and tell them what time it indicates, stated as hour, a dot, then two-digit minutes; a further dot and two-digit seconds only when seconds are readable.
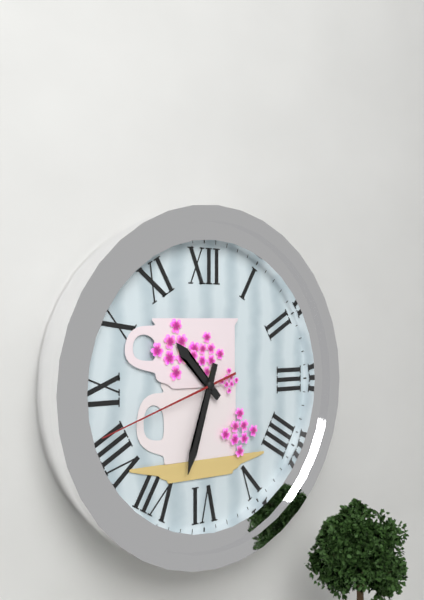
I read 10.33.42
